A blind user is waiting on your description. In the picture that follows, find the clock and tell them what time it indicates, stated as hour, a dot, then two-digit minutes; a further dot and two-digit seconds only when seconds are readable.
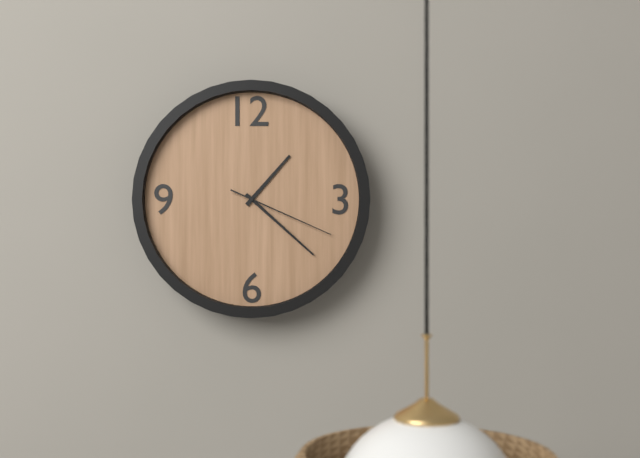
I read 1.22.19
